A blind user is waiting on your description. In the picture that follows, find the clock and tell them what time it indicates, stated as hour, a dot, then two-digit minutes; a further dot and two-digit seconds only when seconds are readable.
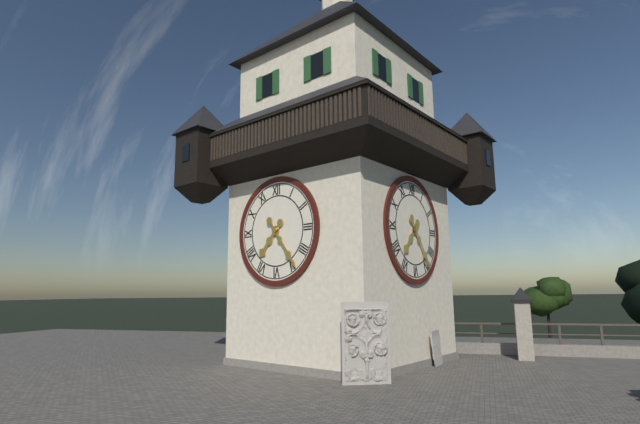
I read 7.24
